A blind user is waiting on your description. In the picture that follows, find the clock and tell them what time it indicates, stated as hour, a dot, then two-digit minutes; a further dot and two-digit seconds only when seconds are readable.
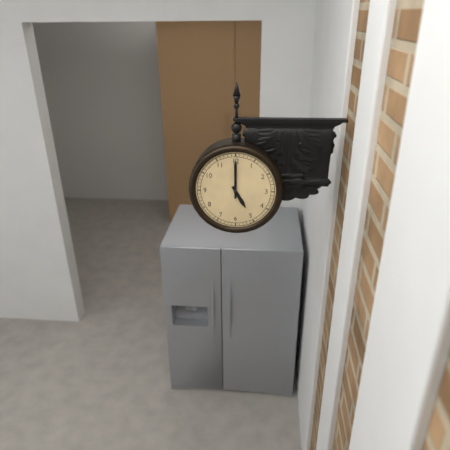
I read 5.00
